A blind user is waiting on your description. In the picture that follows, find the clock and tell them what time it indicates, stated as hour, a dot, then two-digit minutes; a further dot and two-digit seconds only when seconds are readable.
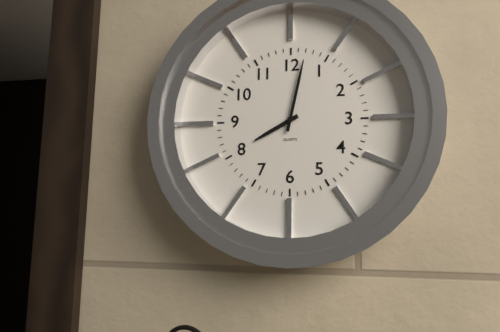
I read 8.02
